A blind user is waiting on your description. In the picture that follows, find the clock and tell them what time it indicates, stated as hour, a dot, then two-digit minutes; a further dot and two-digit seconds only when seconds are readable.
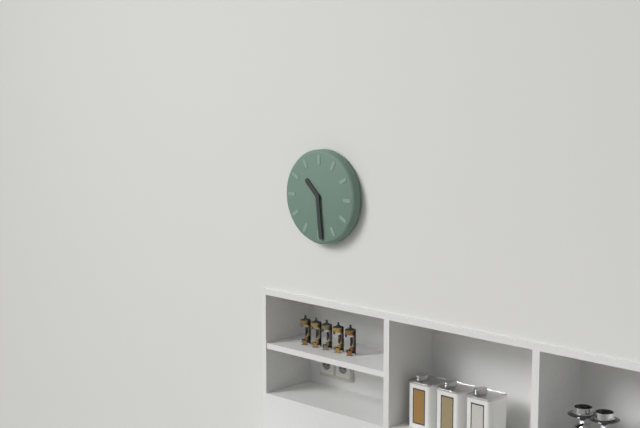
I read 10.29
